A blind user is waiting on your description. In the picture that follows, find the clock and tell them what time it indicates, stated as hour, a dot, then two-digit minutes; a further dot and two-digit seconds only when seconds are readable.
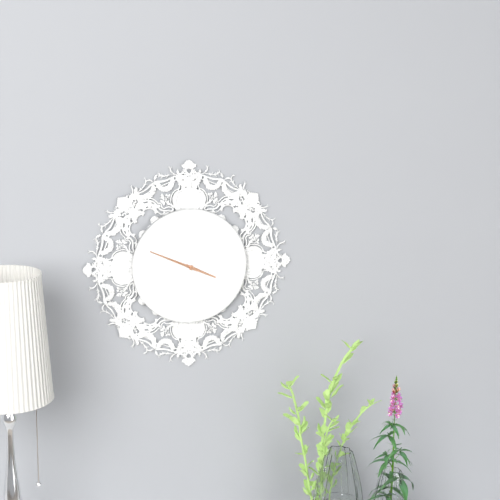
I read 3.49
